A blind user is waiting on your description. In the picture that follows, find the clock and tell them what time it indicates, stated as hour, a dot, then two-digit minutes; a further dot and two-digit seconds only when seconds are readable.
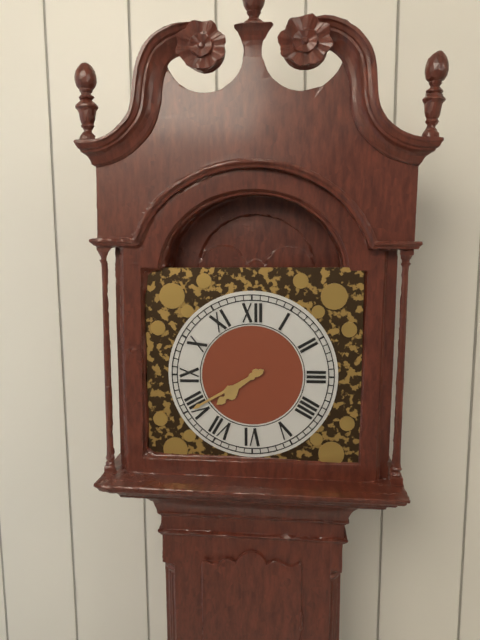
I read 7.40
